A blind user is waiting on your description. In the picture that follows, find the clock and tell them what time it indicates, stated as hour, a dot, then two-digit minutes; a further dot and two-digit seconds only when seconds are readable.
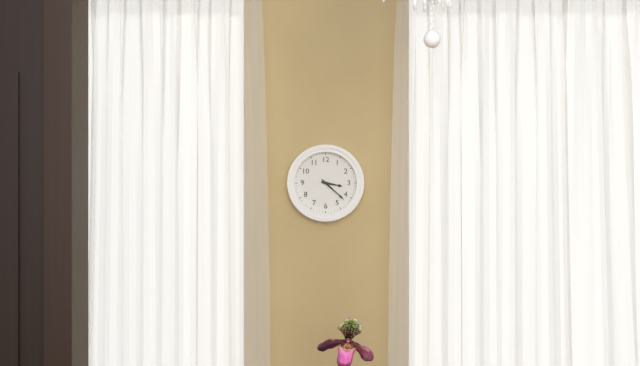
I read 3.22
